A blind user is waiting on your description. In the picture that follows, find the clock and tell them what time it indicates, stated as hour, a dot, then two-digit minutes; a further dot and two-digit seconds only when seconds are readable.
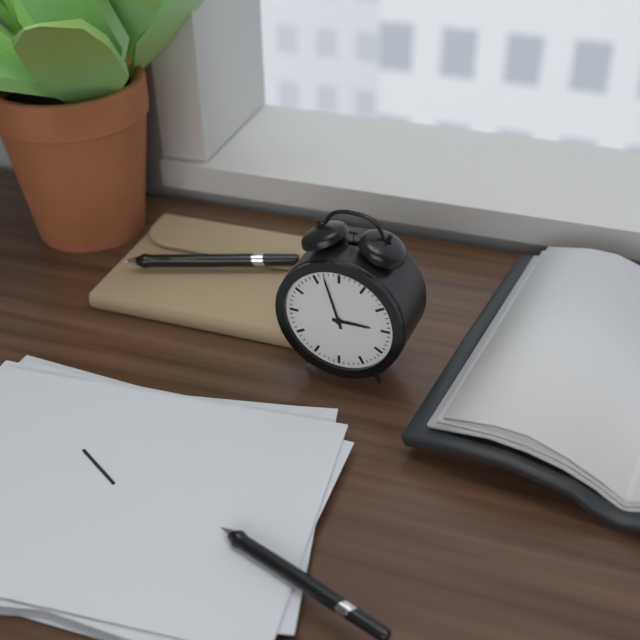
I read 2.57
